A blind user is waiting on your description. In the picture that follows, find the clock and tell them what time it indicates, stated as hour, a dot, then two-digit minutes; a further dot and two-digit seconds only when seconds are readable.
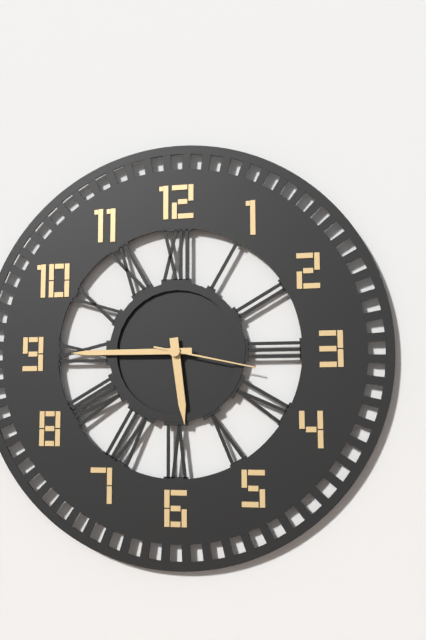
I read 5.45.17
